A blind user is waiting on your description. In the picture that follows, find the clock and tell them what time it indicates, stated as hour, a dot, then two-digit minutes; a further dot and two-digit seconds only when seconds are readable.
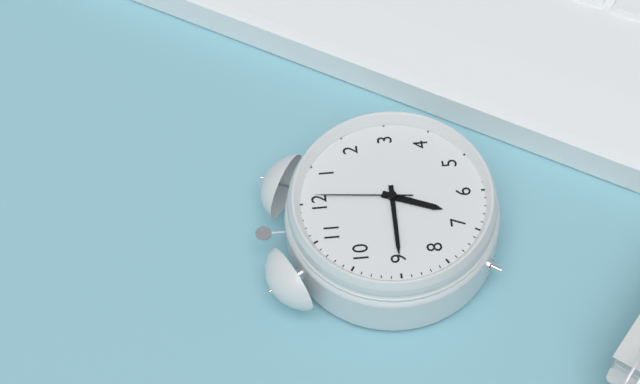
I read 6.45.01
